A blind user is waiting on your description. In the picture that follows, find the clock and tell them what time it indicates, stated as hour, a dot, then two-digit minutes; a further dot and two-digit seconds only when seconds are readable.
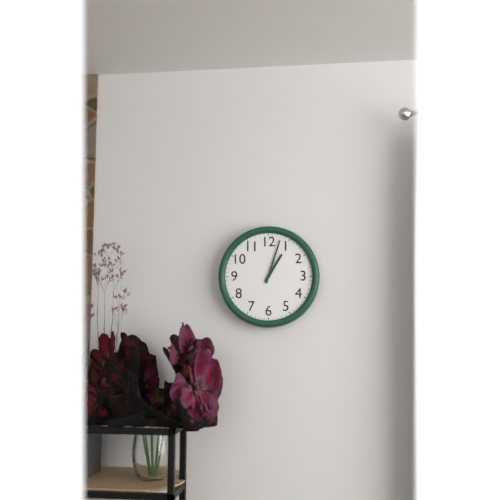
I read 1.03
